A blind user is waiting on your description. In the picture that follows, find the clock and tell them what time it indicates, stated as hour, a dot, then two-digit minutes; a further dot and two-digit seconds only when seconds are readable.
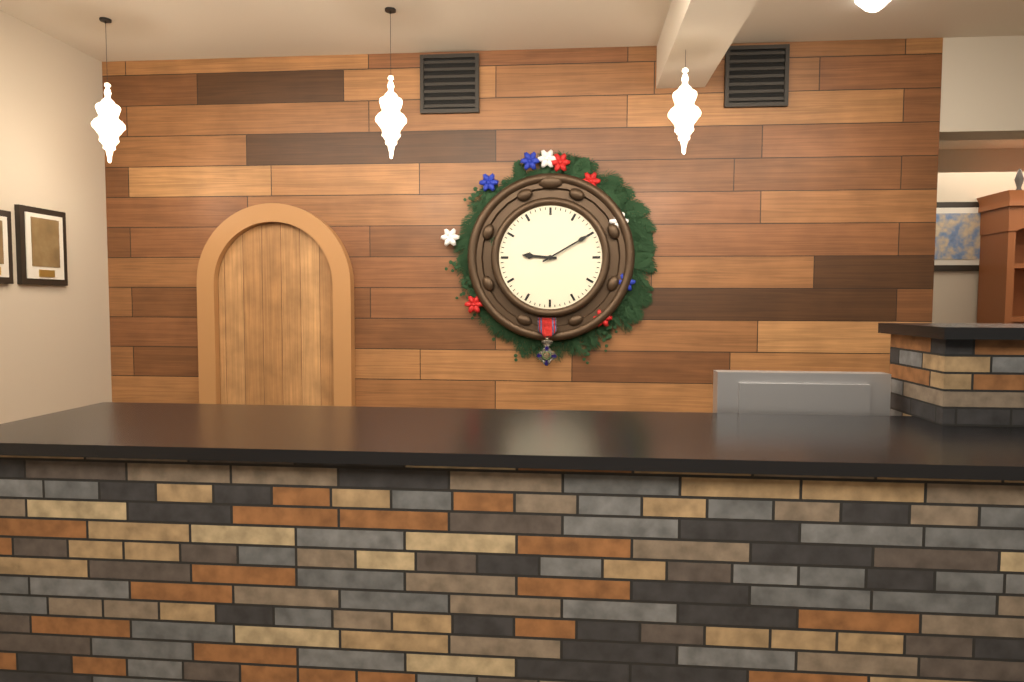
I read 9.10
